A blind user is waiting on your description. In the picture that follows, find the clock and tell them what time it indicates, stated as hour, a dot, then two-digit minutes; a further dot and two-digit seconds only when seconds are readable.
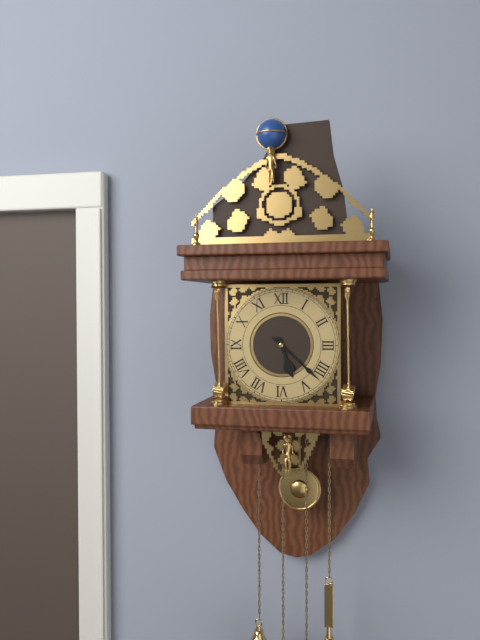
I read 5.22
